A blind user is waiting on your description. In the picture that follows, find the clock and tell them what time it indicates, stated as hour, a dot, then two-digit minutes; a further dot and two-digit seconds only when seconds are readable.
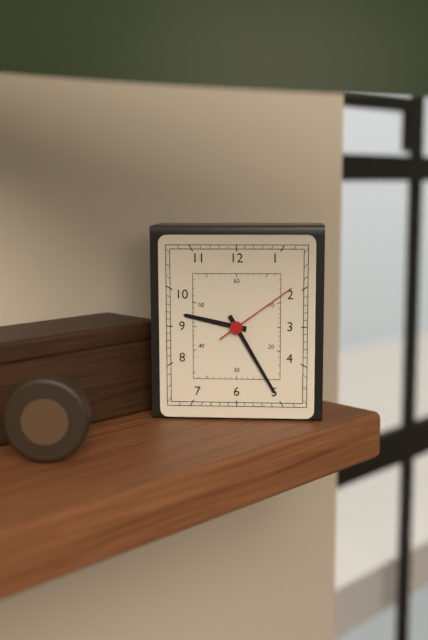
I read 9.25.09
